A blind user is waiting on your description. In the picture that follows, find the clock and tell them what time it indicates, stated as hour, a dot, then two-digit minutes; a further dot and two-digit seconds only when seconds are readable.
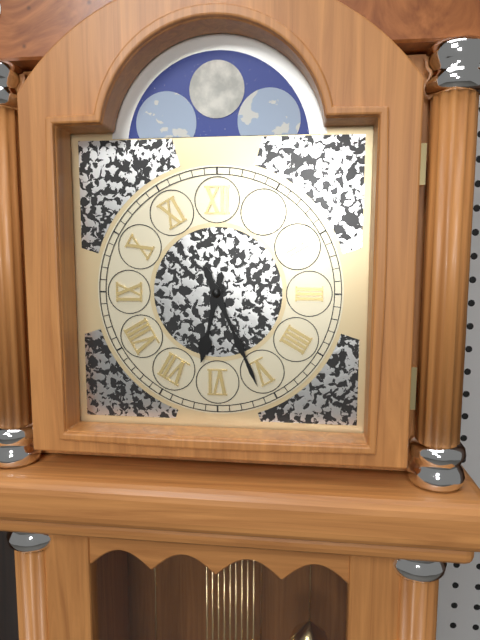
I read 6.26
